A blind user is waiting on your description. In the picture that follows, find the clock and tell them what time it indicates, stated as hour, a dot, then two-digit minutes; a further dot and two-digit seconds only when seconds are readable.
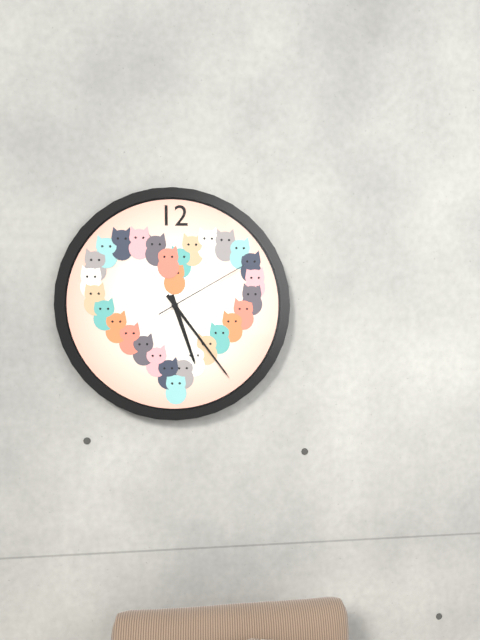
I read 5.24.10
